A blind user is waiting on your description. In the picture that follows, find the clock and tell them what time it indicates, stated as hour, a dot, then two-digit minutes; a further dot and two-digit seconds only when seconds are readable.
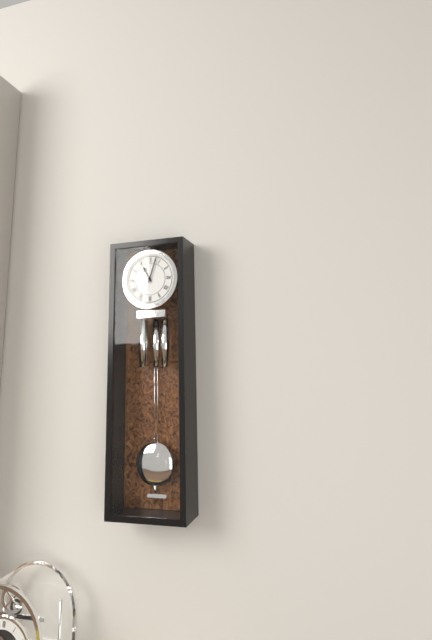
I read 11.03
